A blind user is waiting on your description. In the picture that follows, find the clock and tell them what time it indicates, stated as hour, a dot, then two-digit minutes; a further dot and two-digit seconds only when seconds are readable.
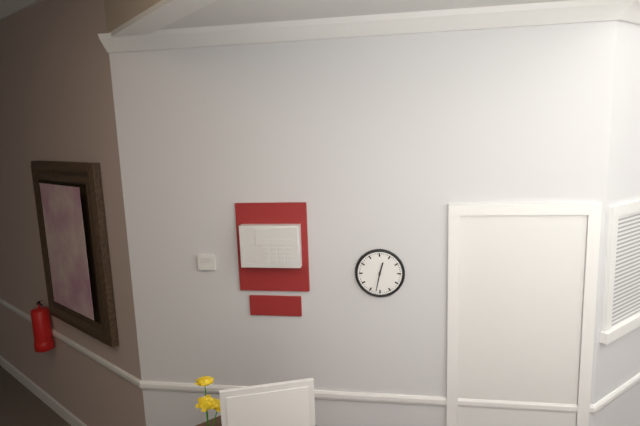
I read 12.32
